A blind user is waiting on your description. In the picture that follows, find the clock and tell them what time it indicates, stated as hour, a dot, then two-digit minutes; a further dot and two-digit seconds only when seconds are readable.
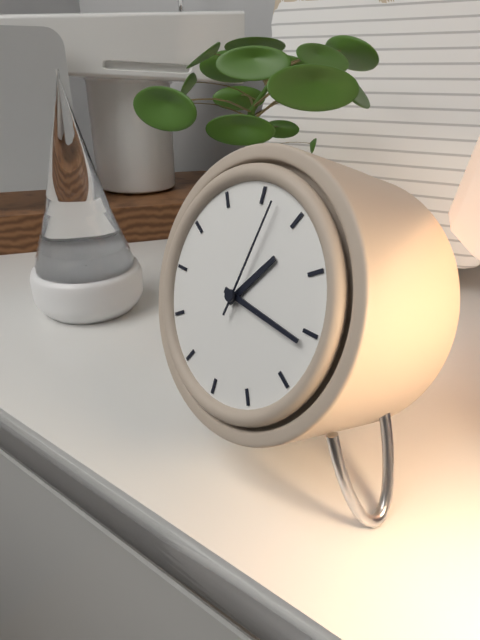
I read 1.16.02
